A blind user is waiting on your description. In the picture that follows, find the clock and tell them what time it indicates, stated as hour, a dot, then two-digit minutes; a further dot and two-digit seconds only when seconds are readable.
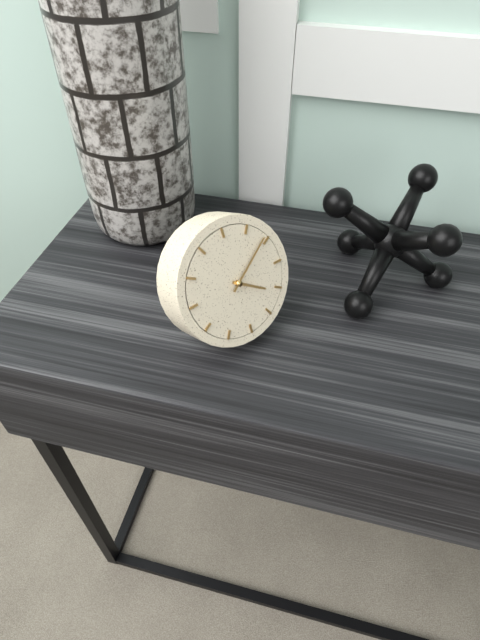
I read 4.09
